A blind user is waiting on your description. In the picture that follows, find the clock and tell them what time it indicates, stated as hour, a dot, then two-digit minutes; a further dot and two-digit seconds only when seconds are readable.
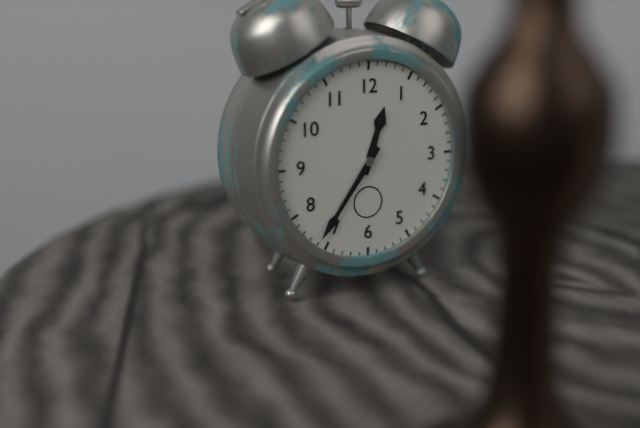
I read 12.36
